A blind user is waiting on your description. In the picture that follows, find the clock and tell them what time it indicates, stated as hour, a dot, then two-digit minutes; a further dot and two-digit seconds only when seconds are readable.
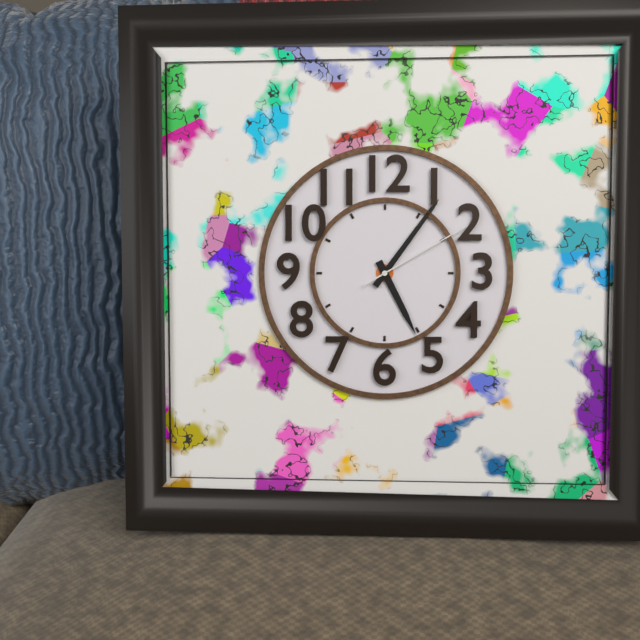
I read 5.06.10
